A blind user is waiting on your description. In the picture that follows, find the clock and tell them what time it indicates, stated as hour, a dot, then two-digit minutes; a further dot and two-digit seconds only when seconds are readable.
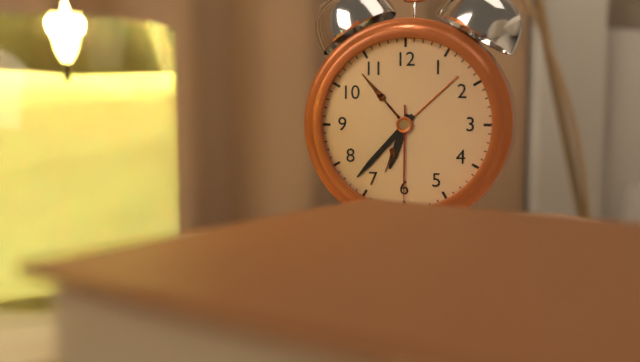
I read 6.37.30
